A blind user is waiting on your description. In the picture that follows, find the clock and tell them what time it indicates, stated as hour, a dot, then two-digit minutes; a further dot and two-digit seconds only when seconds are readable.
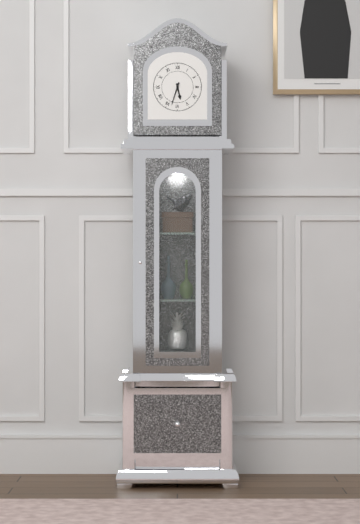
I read 5.33
